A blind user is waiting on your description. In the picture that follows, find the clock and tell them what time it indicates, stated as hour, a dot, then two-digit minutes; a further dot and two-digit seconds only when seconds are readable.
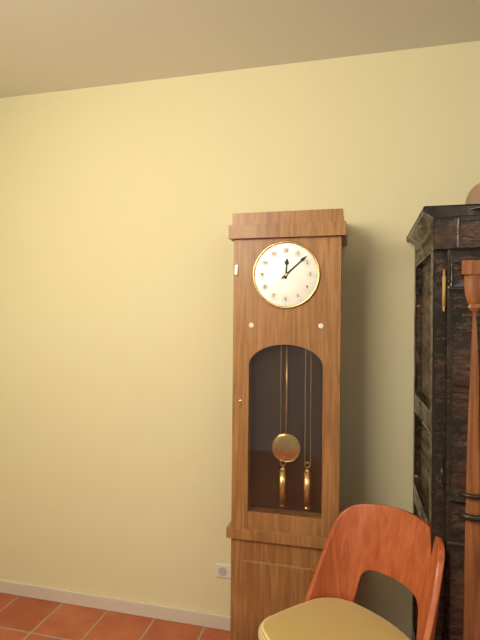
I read 12.08
